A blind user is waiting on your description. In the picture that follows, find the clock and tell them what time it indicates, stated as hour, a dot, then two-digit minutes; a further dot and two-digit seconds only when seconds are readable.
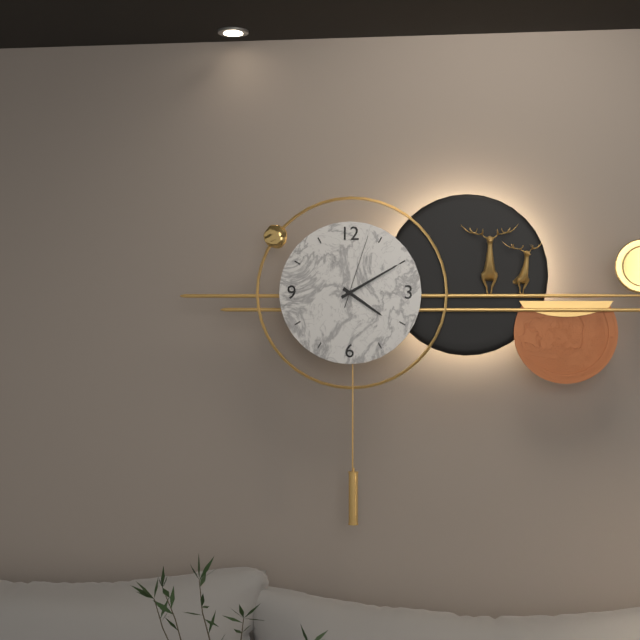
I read 4.10.03
